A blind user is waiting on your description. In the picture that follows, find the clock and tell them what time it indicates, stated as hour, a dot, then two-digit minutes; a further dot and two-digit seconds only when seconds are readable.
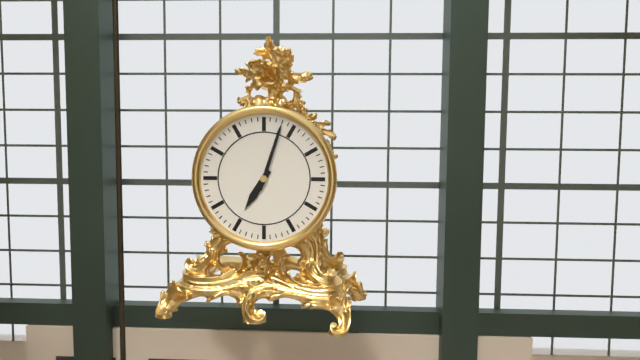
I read 7.03
